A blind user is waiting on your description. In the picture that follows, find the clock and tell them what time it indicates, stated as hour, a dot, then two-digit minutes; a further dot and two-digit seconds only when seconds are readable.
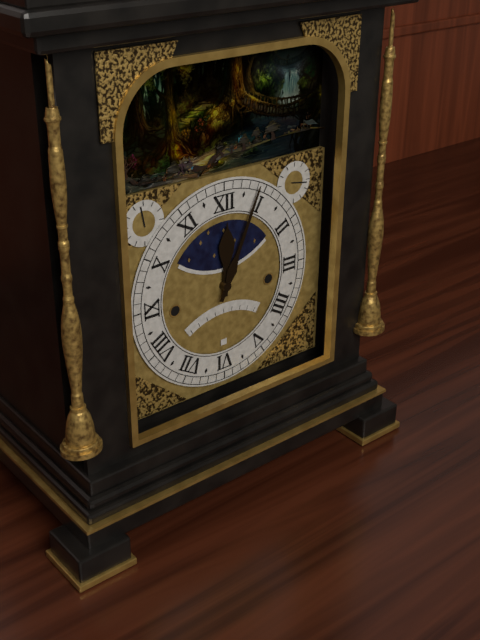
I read 12.04
